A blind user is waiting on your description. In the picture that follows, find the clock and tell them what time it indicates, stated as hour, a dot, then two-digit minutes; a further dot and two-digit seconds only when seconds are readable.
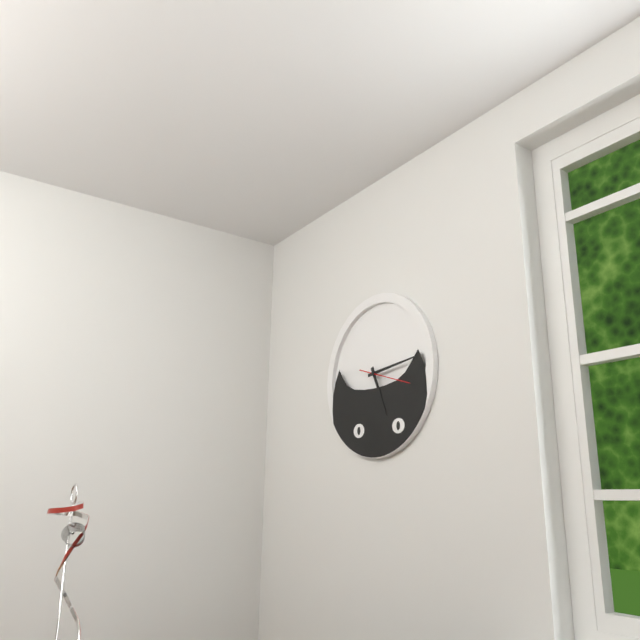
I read 5.14
